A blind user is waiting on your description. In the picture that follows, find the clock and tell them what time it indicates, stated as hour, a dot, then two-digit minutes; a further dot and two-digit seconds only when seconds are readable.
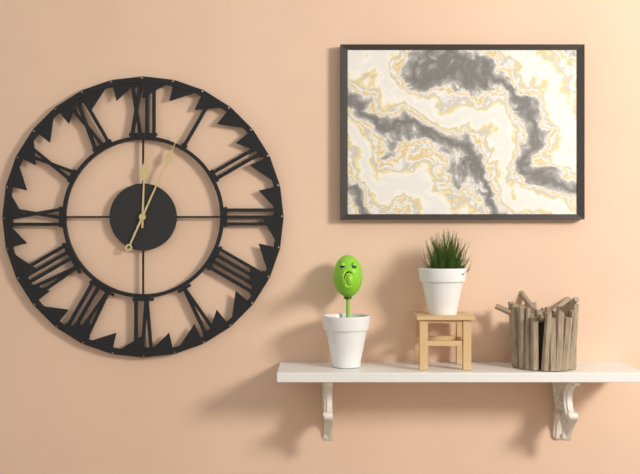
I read 12.04
